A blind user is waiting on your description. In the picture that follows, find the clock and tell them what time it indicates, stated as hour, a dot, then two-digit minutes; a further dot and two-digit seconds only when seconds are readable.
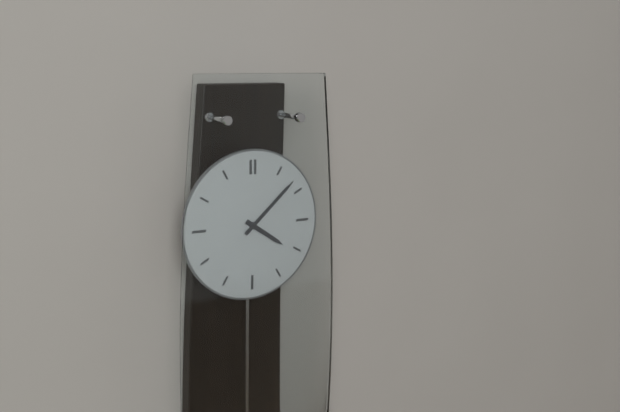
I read 4.08
